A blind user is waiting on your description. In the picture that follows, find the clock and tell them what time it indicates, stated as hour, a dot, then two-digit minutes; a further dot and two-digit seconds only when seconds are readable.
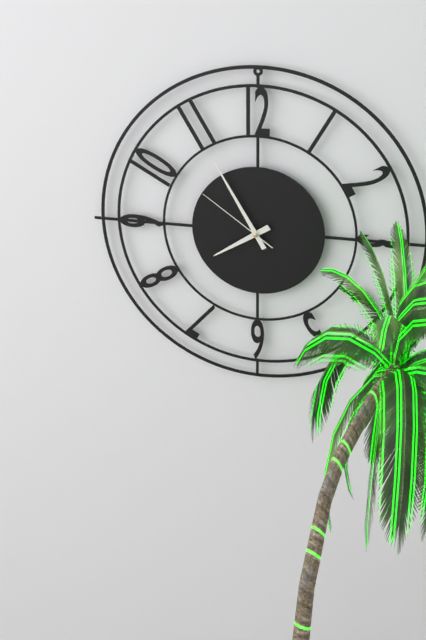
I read 7.55.51
